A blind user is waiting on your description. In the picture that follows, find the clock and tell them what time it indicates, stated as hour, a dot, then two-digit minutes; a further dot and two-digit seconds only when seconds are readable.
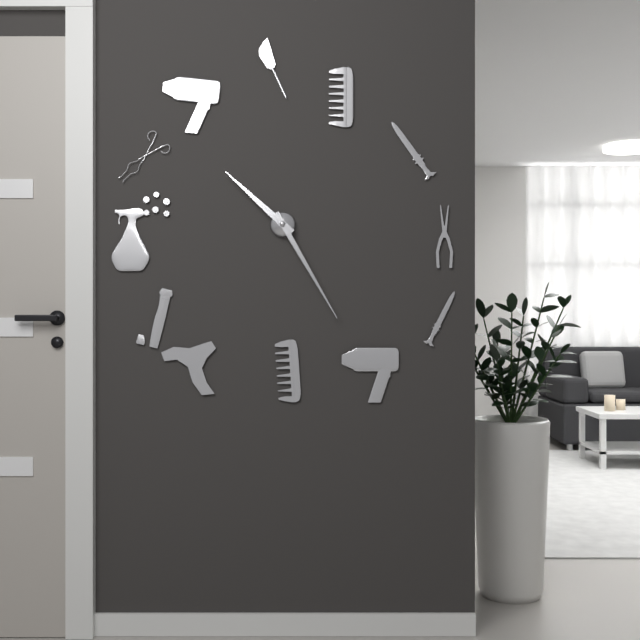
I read 10.25
